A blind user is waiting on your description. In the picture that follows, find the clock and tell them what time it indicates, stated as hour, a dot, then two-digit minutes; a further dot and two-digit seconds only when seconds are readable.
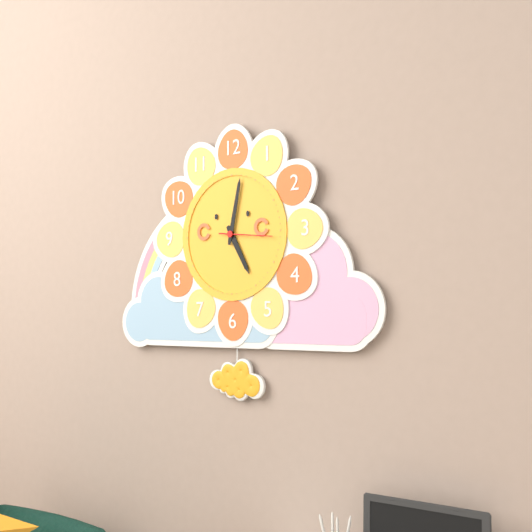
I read 5.02
